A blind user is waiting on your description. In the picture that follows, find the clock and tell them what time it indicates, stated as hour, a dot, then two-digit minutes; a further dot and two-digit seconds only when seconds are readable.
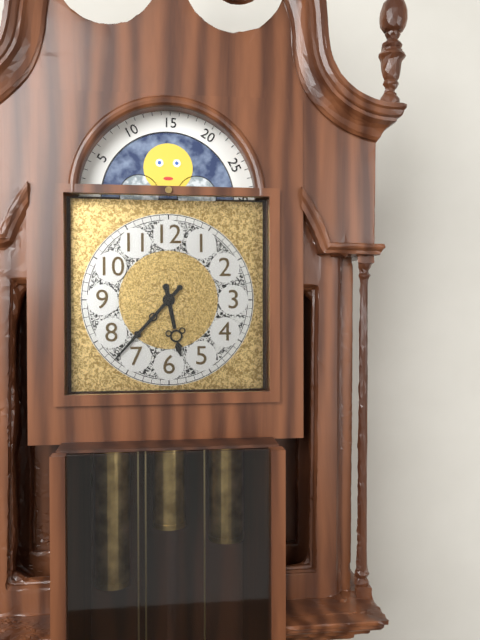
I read 5.37
